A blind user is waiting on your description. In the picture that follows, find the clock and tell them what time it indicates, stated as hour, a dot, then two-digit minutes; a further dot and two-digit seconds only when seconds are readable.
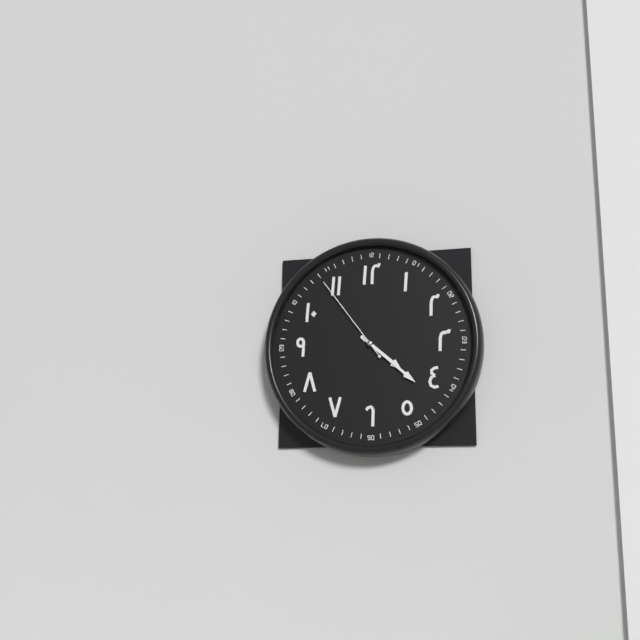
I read 4.22.54
